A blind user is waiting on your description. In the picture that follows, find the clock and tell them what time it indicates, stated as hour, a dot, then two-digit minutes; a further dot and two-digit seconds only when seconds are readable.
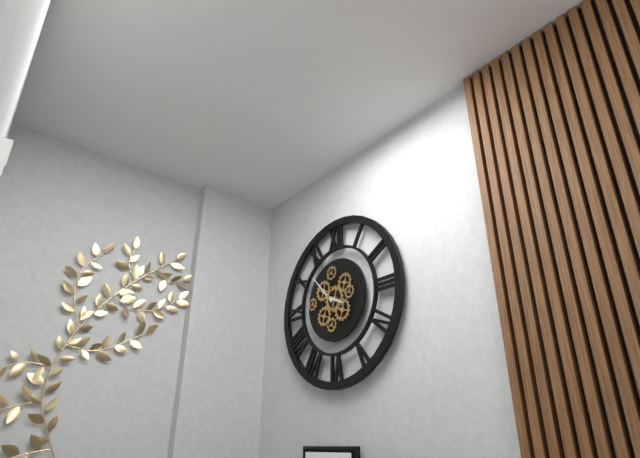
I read 3.53
